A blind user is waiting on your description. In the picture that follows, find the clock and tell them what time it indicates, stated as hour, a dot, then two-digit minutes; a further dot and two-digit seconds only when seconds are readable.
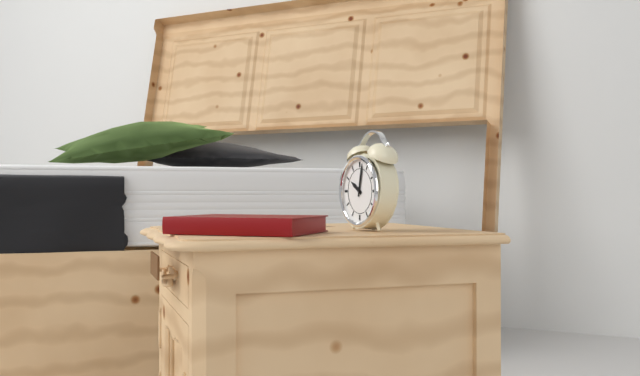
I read 10.02
